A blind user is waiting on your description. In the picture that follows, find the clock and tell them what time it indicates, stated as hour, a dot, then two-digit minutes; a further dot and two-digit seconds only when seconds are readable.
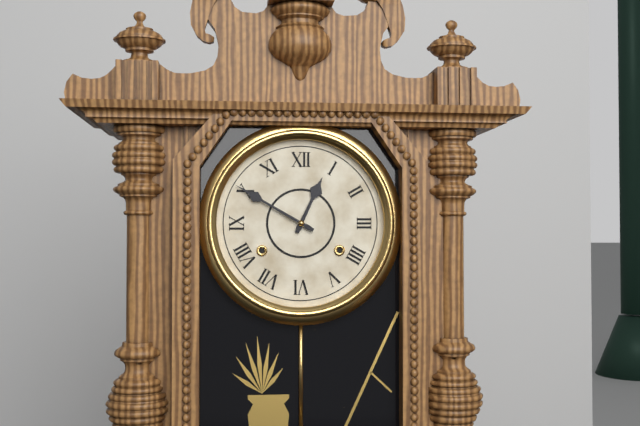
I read 12.50
